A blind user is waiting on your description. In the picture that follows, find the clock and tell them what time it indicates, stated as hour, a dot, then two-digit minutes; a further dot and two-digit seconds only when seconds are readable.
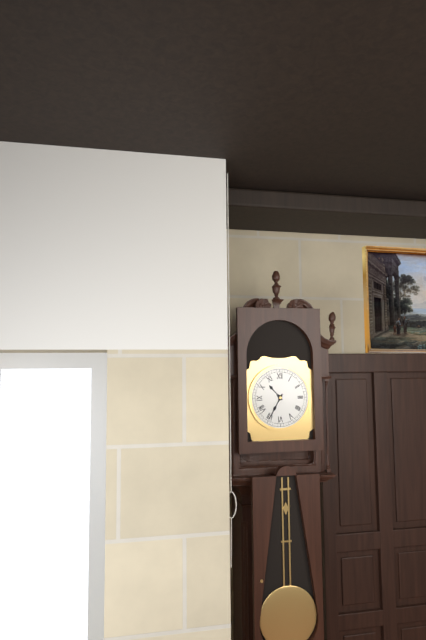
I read 10.35
